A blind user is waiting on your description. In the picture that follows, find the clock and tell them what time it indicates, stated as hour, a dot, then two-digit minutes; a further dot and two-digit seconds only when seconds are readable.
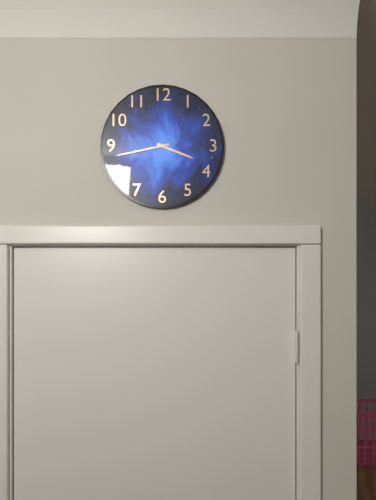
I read 3.43
